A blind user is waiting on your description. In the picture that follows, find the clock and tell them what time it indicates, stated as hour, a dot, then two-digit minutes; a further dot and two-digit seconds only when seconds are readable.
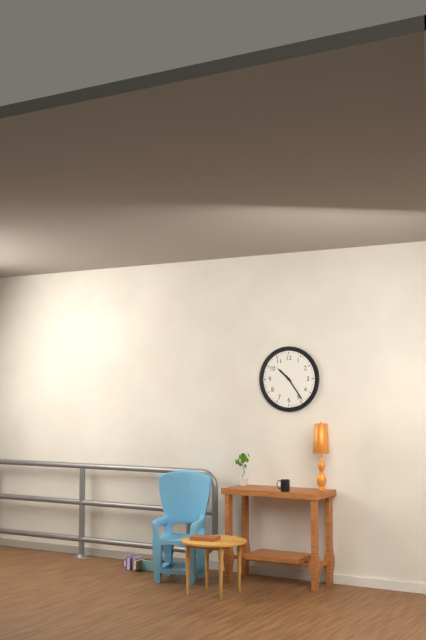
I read 10.24
